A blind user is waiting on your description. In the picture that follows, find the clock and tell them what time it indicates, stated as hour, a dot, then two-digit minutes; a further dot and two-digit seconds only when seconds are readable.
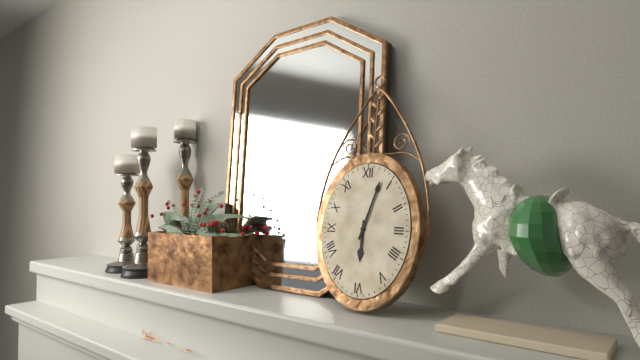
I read 6.03
